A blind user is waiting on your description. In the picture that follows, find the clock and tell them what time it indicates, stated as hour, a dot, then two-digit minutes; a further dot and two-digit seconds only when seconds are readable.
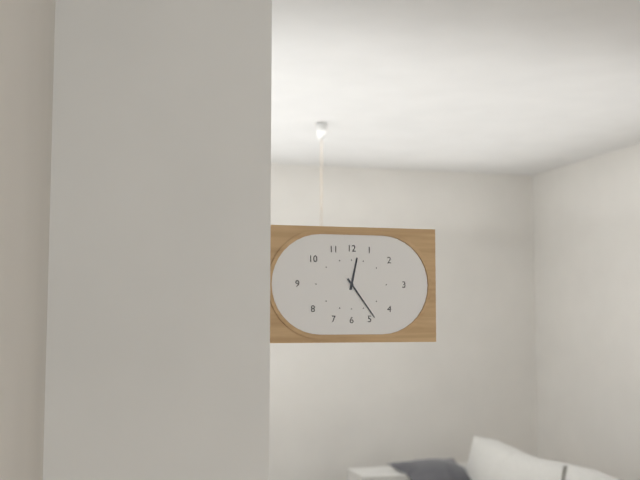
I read 12.24
